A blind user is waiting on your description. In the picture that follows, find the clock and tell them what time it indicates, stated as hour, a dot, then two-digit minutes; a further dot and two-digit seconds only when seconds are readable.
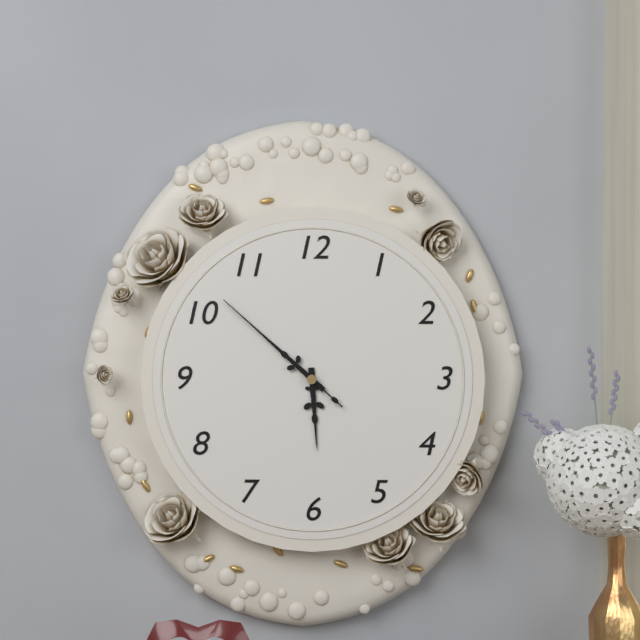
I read 5.52.52
